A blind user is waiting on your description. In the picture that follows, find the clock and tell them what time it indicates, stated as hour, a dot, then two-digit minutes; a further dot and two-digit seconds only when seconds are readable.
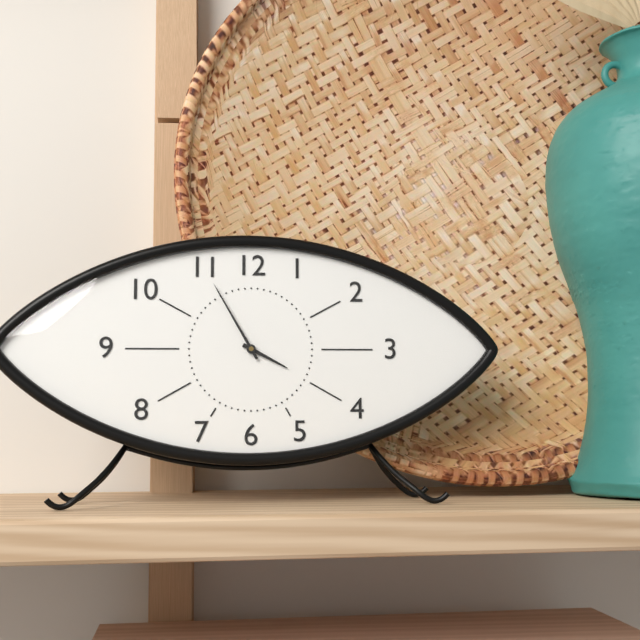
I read 3.55
